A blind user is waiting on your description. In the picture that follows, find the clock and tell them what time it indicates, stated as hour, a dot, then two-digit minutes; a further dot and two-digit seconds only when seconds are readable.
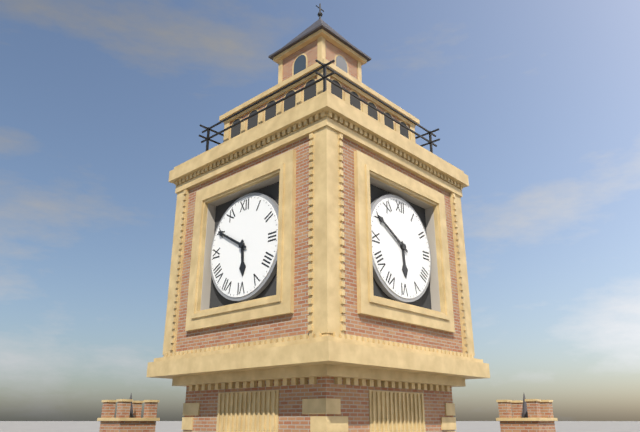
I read 5.50
